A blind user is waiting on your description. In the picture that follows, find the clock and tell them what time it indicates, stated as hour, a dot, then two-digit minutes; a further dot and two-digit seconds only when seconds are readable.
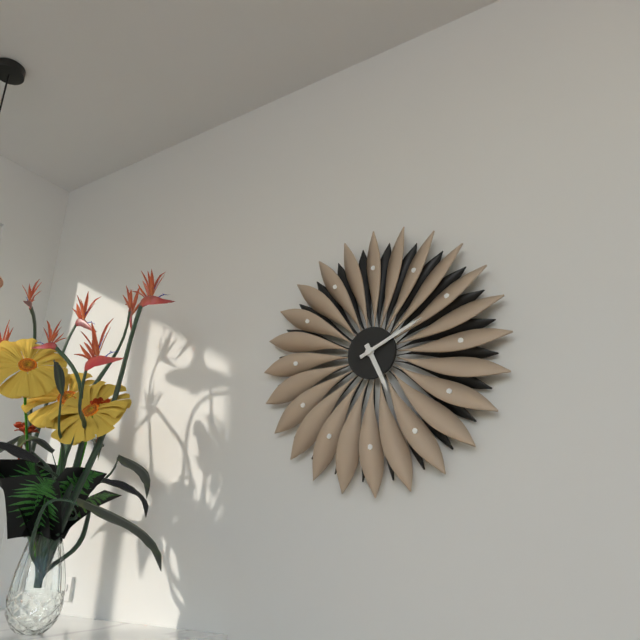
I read 5.11
